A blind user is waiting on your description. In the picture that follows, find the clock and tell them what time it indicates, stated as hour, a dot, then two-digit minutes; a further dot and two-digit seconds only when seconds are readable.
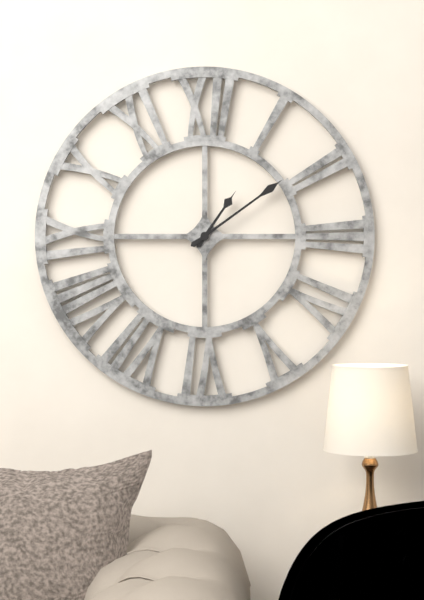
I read 1.09
